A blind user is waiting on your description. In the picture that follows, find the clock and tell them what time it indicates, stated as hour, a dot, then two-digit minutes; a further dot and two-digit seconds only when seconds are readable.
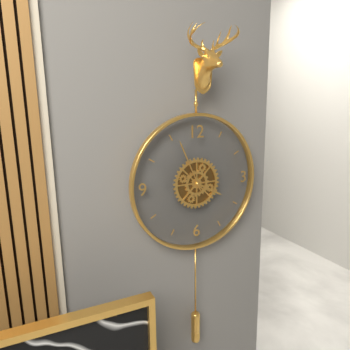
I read 3.56
